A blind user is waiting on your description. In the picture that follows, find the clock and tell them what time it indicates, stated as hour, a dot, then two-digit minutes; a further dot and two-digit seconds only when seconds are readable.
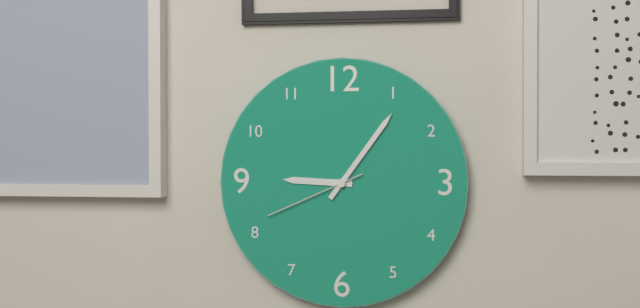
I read 9.06.41
